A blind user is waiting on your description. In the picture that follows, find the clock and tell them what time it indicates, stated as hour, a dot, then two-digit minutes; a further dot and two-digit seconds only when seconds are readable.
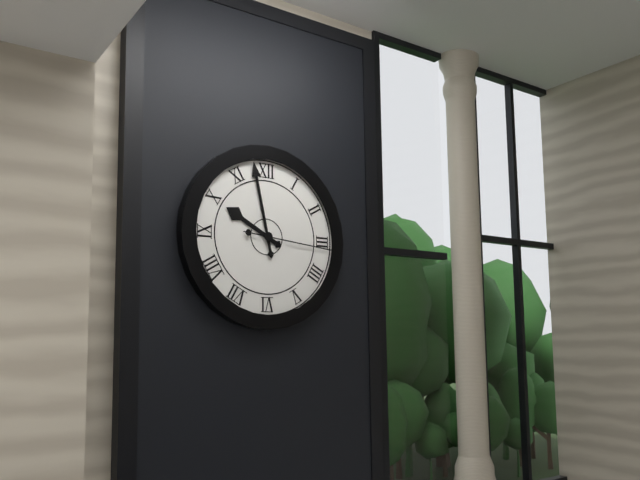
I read 9.58.16
